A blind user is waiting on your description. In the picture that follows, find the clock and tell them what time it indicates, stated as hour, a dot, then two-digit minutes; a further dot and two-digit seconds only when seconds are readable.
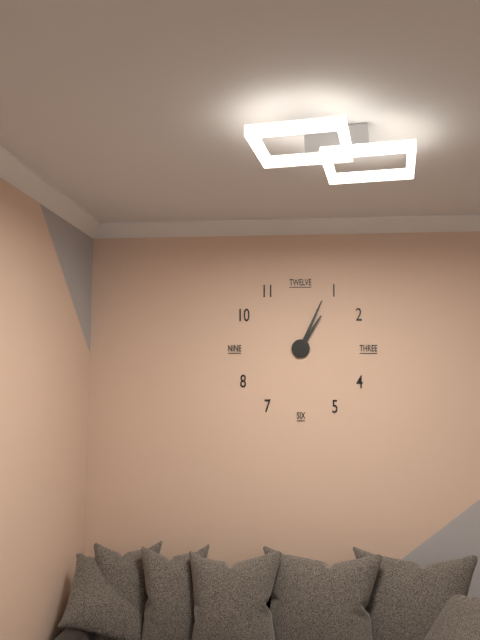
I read 1.04
